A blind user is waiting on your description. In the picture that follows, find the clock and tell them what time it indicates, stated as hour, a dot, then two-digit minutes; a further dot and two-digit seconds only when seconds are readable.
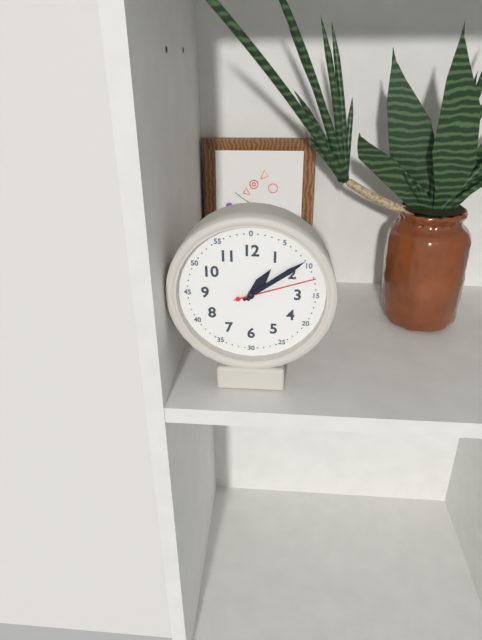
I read 1.09.12
